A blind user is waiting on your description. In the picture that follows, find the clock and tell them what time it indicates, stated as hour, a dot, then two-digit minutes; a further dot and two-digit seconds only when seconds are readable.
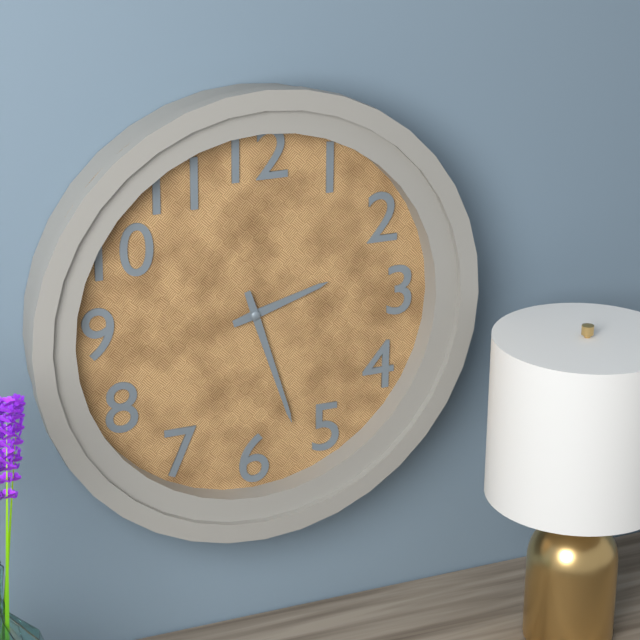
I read 2.27
